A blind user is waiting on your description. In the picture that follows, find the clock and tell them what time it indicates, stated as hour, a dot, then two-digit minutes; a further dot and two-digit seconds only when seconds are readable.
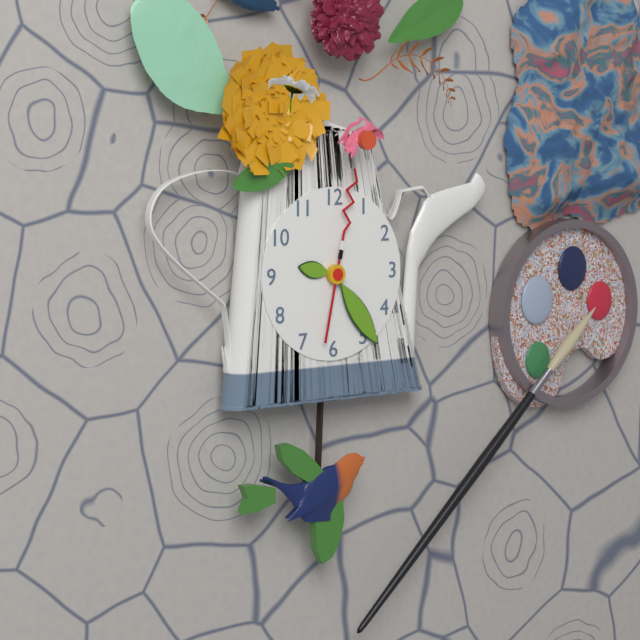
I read 9.24.02
